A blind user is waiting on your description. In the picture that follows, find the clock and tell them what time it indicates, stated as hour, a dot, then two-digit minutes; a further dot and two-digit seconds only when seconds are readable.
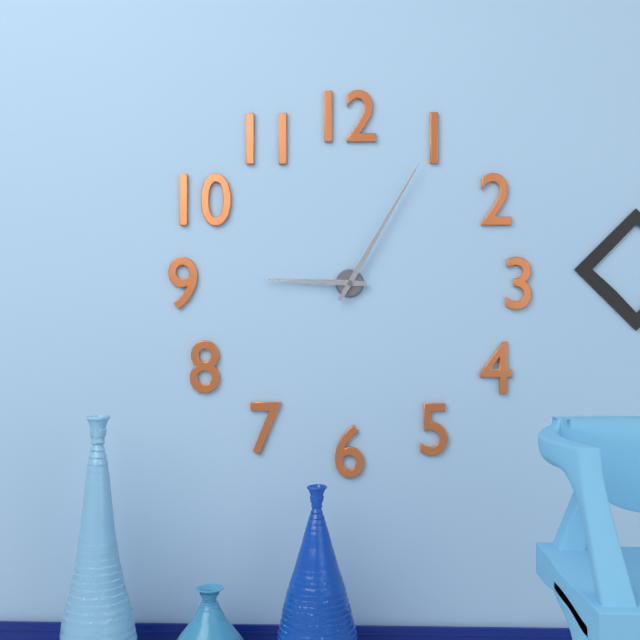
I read 9.05
